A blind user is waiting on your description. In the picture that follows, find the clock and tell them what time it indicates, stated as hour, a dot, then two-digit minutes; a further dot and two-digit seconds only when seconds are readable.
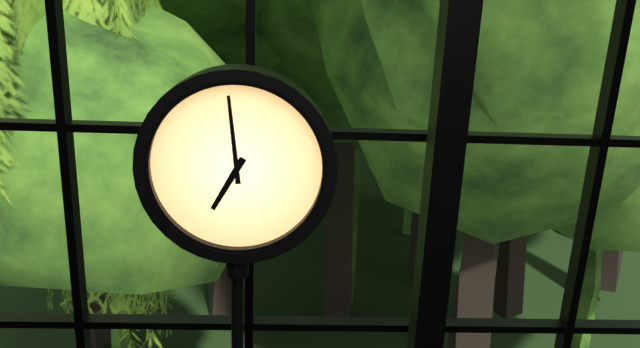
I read 6.59
